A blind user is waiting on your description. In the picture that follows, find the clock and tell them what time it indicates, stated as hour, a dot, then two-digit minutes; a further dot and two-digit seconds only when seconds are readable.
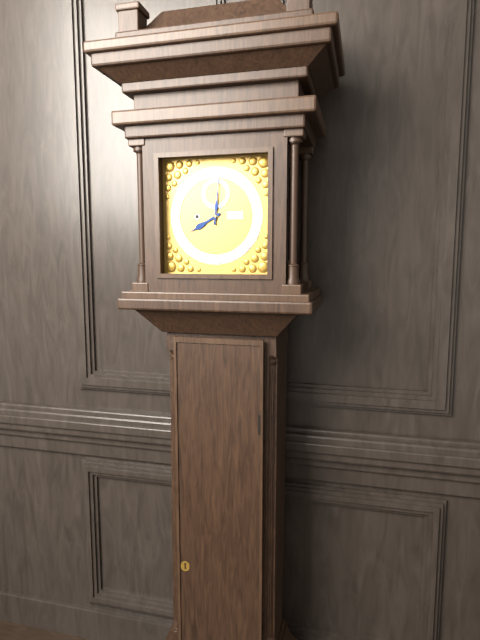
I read 8.01
